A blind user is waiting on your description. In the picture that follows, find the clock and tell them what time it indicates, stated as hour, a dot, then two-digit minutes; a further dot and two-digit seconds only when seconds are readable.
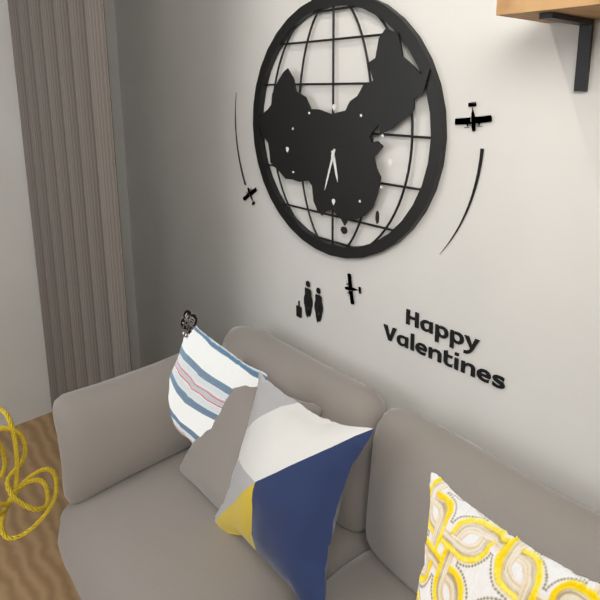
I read 5.33
